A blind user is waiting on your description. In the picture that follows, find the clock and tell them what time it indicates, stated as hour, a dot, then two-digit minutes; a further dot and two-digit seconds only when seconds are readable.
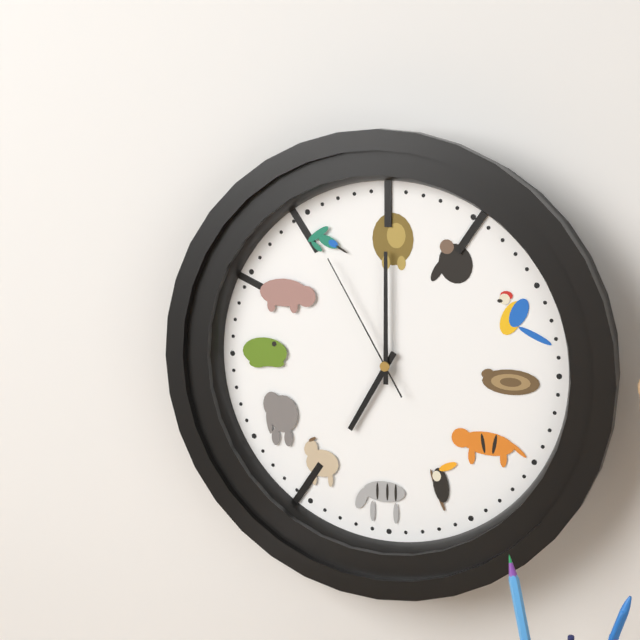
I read 7.00.55
